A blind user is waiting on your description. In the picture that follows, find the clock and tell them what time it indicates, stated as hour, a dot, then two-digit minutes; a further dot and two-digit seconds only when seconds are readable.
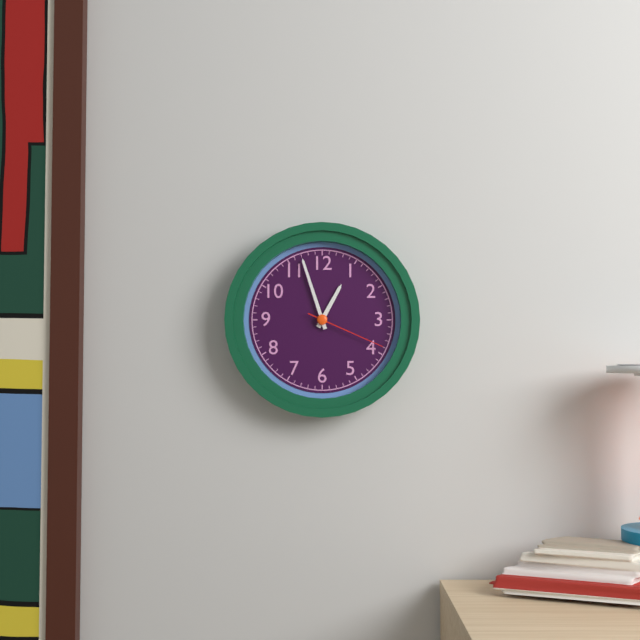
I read 12.57.19
